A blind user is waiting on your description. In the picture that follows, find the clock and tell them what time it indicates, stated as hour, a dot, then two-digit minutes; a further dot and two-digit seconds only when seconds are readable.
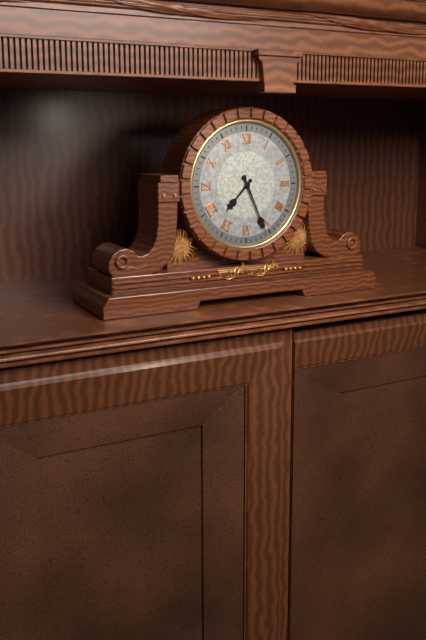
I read 7.26
